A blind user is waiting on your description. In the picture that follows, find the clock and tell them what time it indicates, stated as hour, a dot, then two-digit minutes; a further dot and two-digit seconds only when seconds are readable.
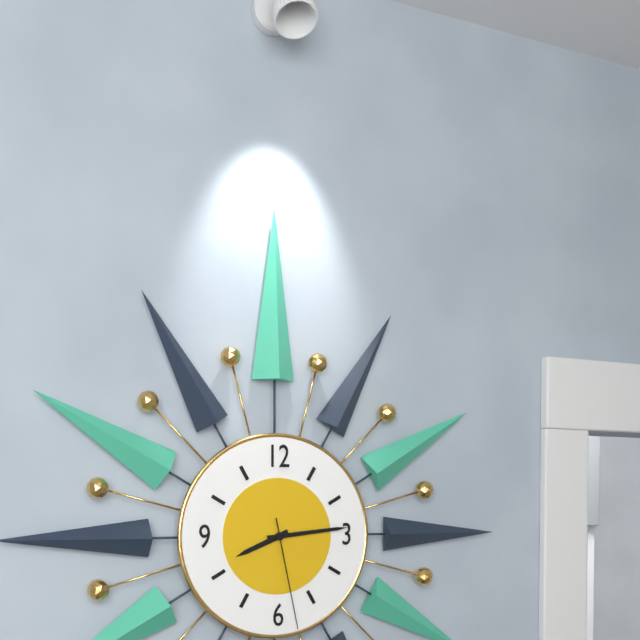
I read 8.14.28
